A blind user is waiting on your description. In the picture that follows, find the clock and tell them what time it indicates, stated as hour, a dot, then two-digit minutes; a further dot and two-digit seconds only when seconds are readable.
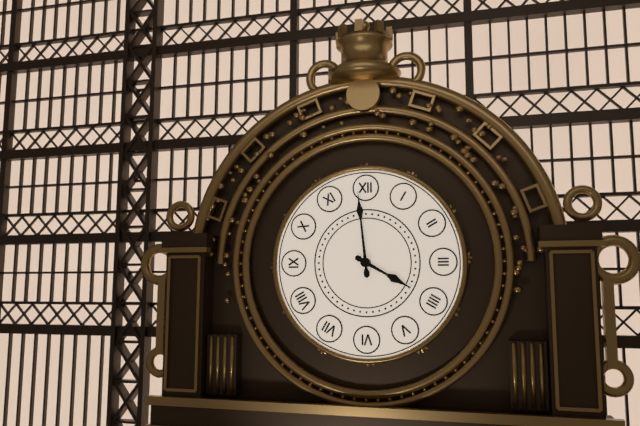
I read 3.59
